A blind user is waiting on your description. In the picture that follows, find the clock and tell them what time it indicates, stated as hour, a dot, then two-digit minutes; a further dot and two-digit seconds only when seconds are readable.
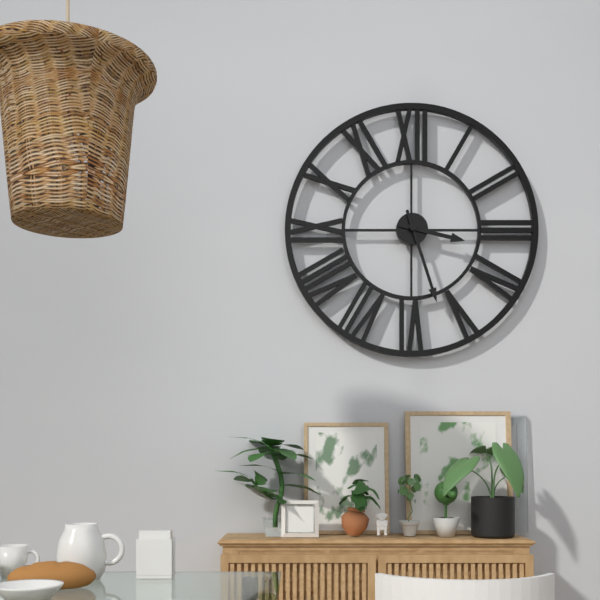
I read 3.27
